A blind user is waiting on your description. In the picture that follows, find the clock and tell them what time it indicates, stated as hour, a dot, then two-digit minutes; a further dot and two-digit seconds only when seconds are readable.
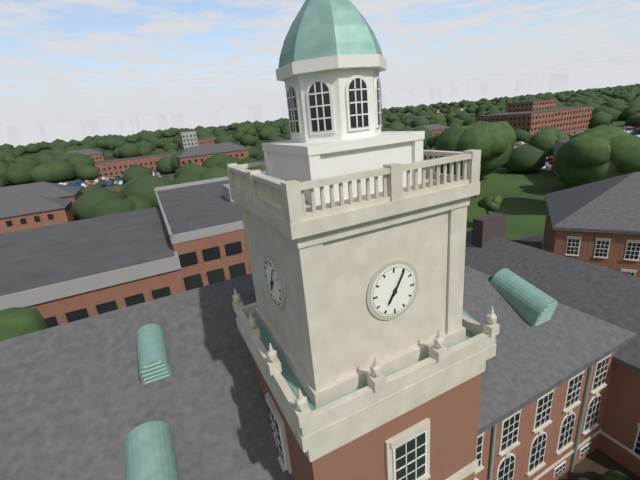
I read 7.05
